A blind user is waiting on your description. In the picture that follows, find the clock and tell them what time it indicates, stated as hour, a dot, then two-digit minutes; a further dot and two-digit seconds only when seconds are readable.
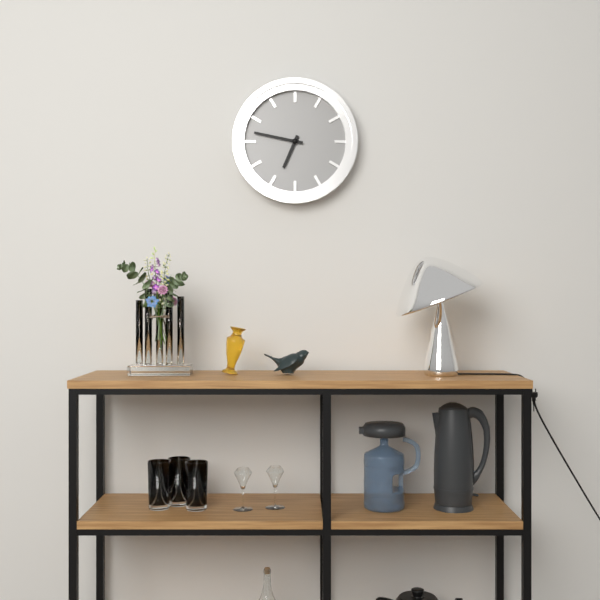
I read 6.47
